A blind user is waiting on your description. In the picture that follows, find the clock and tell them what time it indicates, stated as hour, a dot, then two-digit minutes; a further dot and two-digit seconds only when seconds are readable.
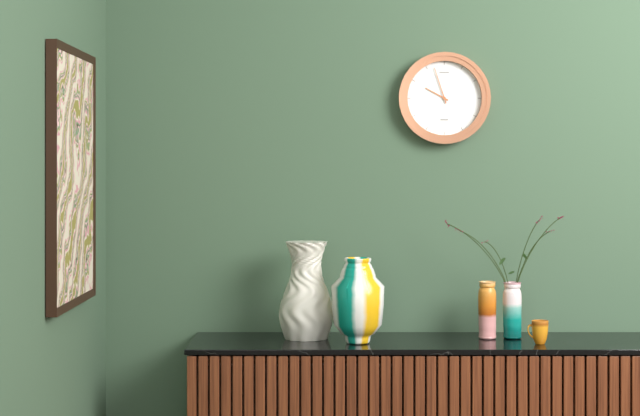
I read 9.57
